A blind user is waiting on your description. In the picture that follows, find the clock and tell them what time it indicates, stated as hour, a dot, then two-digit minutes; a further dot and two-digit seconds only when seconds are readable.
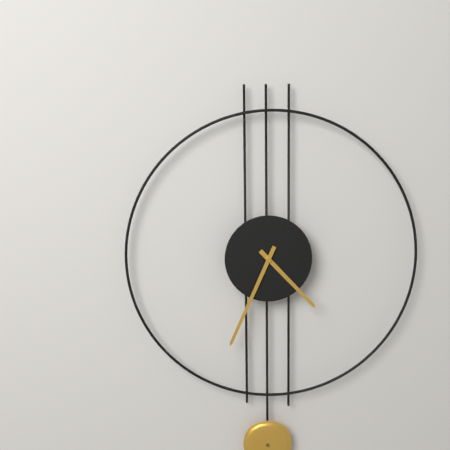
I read 4.34
